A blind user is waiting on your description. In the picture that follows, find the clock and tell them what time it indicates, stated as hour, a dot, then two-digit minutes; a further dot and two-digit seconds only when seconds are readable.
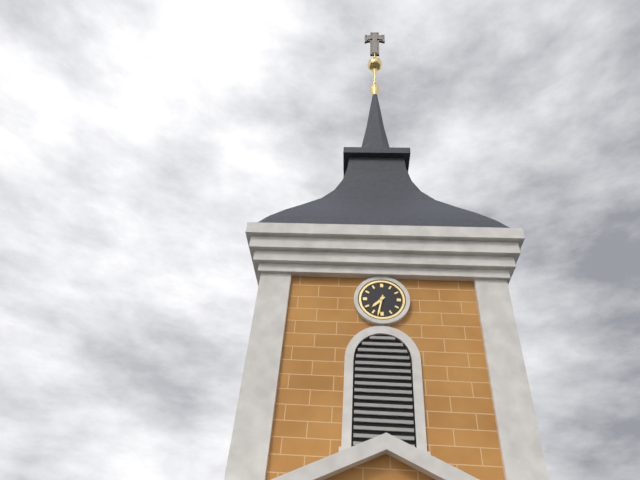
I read 7.32
